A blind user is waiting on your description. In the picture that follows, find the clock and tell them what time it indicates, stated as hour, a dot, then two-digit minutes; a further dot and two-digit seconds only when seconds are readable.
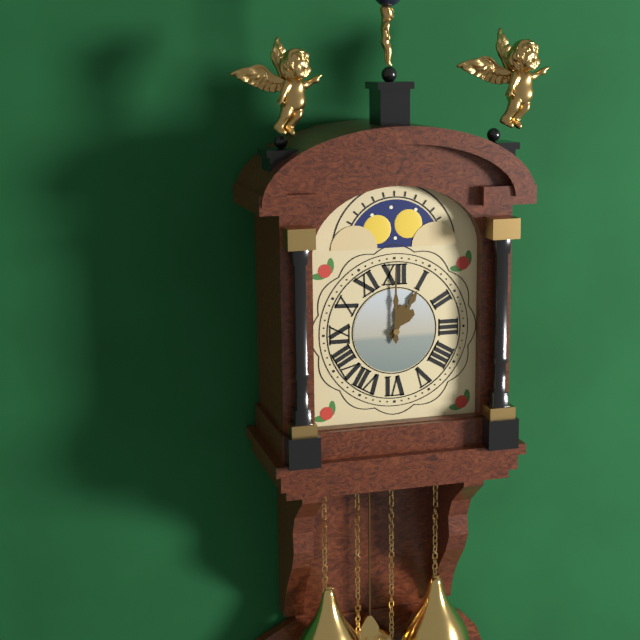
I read 1.00
